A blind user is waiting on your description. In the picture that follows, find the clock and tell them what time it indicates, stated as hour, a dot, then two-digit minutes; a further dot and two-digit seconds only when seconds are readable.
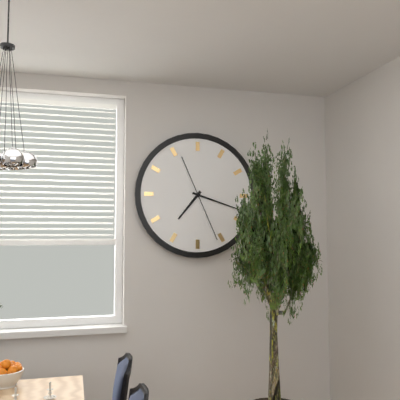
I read 7.18.26
